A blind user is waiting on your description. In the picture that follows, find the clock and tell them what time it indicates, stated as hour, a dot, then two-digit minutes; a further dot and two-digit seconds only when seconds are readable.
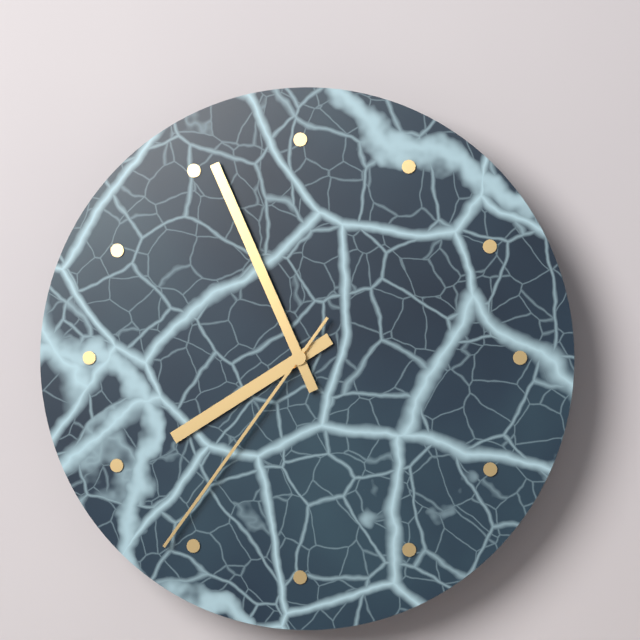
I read 7.56.36
